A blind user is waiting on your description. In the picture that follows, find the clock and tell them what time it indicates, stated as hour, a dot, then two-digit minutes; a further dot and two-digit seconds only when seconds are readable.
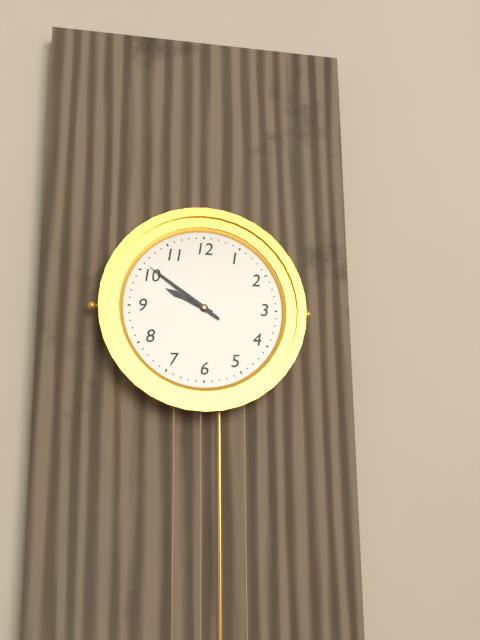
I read 9.51
